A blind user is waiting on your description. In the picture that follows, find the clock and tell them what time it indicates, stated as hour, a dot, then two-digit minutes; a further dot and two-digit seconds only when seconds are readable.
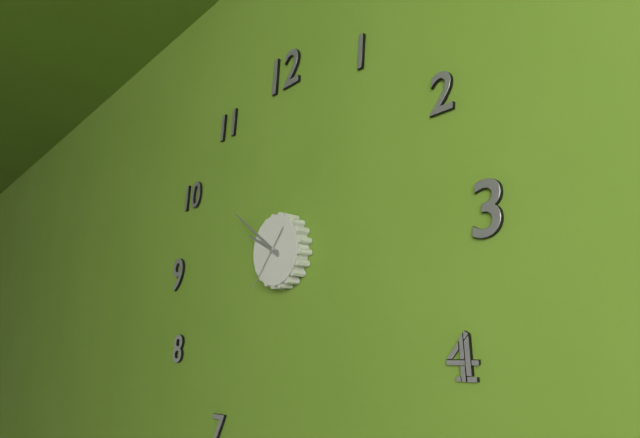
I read 9.51.37
